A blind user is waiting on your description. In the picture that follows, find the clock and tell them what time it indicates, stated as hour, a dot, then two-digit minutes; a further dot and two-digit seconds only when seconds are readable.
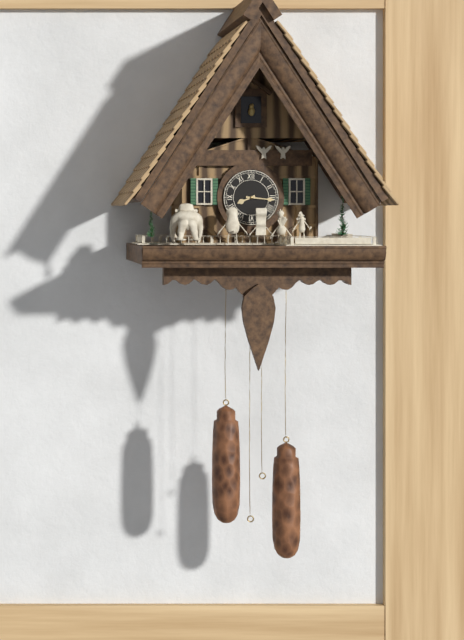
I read 8.16
